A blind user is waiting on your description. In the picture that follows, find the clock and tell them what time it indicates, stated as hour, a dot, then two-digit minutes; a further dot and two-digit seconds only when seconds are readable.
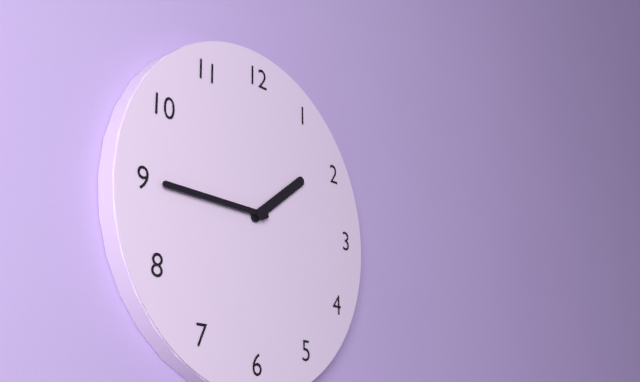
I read 1.45
